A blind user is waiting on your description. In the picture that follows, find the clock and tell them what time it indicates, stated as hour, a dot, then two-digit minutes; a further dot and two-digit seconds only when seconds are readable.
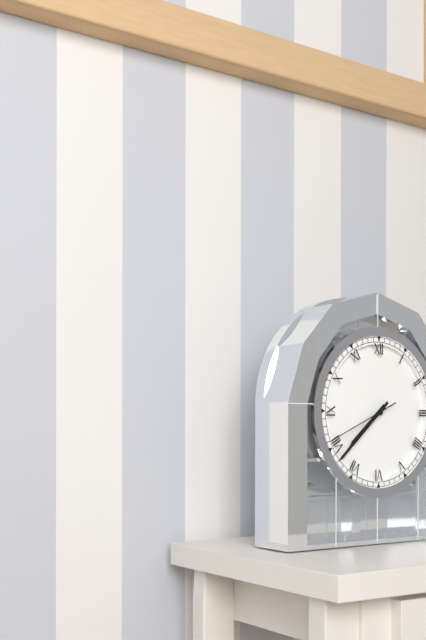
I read 7.38.41
